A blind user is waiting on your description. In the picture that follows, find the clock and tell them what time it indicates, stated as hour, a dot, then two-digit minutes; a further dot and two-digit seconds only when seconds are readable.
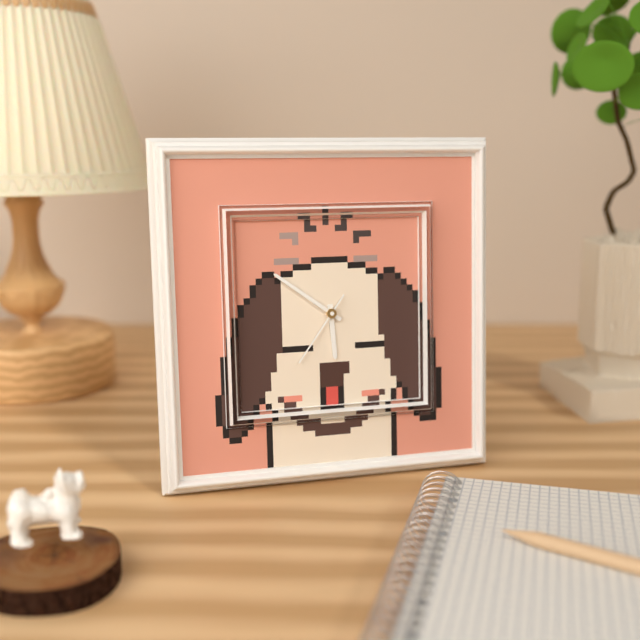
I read 5.51.36
